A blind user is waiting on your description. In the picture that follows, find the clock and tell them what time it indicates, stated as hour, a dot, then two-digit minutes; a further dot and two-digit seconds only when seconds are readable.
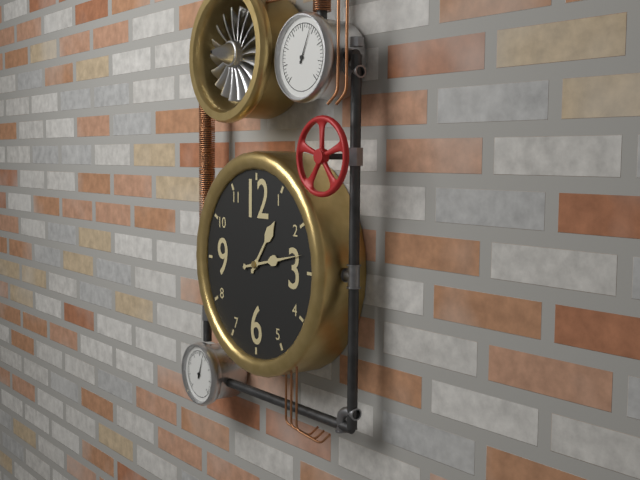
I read 1.13
